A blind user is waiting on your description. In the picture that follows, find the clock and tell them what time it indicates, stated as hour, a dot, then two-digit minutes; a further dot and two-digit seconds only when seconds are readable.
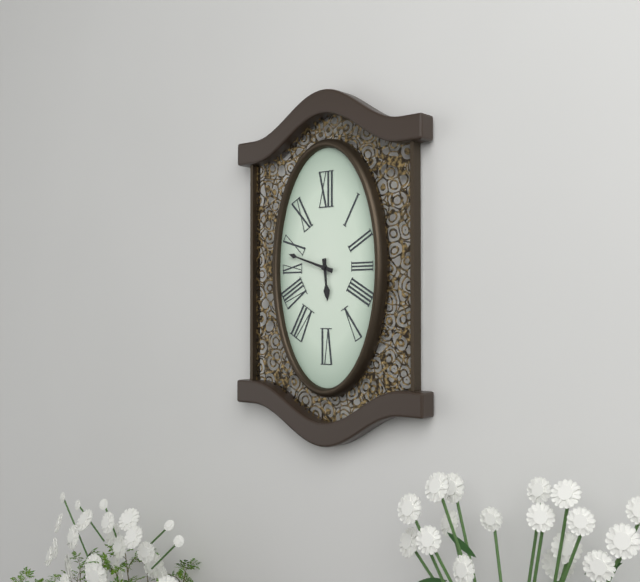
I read 5.48
